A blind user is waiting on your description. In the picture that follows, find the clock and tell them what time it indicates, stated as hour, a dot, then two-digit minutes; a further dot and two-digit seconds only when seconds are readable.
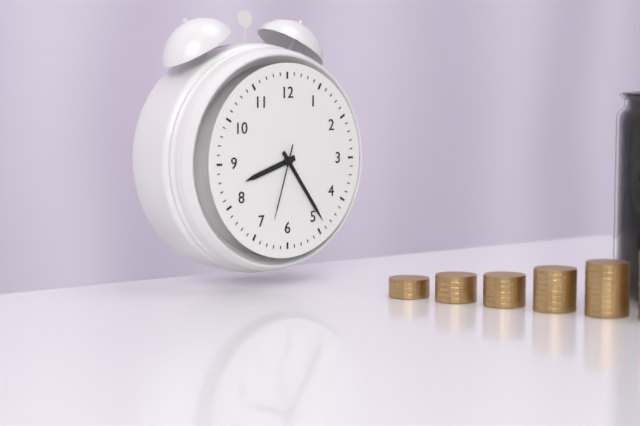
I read 8.24.33
